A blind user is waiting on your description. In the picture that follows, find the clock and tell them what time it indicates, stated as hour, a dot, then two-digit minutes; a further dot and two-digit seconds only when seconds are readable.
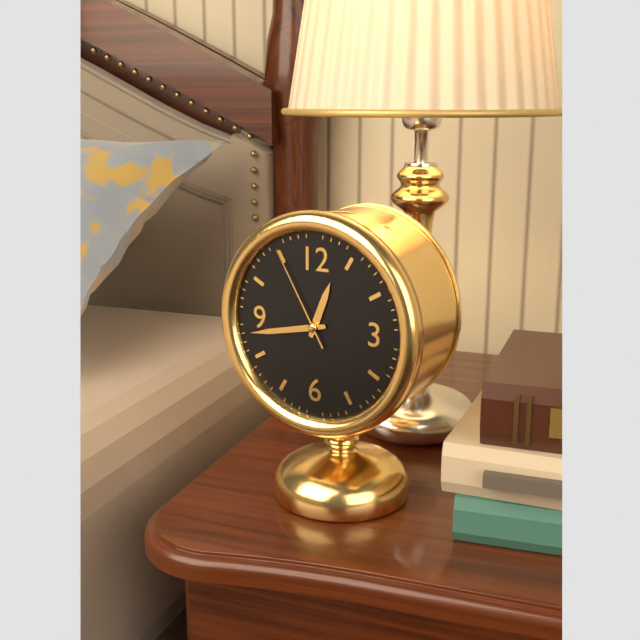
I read 12.43.55
